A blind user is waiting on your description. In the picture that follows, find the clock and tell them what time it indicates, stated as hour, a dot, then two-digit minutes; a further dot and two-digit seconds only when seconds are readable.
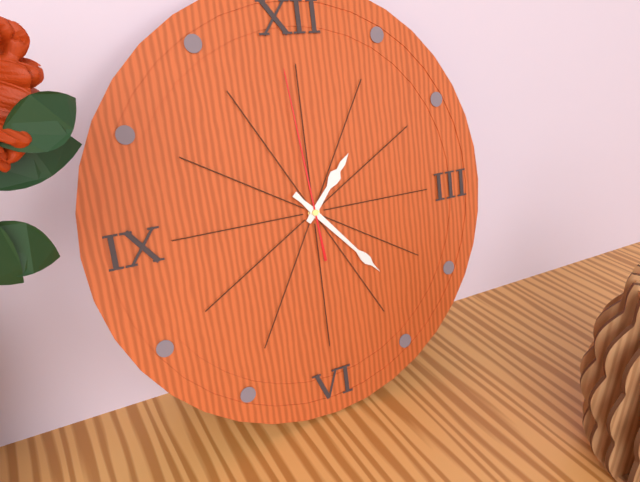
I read 1.23.59
